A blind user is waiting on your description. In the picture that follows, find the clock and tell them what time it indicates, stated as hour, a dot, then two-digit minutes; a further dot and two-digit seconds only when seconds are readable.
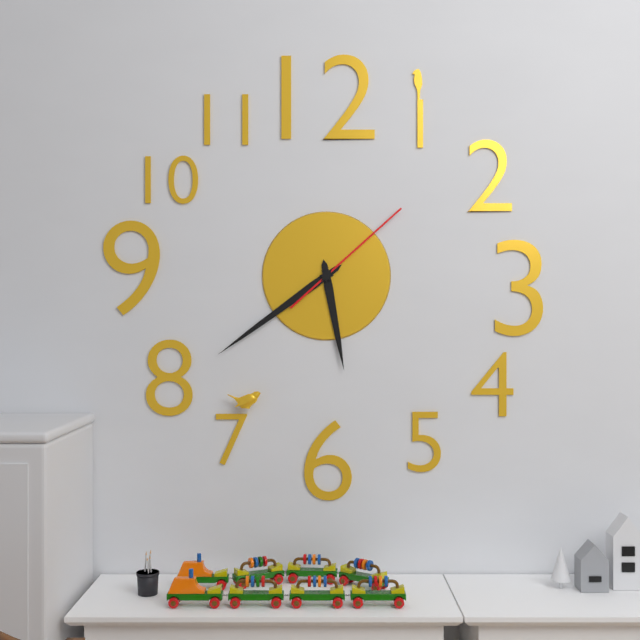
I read 5.39.08
